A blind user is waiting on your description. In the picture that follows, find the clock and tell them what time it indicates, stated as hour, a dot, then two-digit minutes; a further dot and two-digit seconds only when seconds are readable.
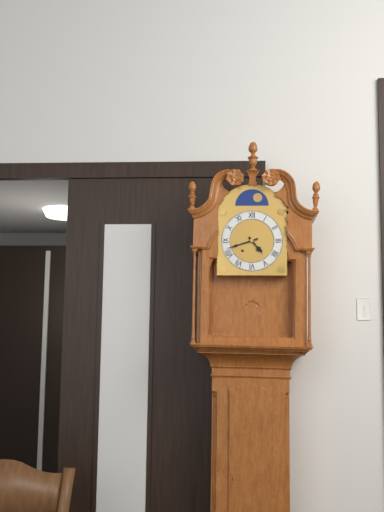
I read 4.42
